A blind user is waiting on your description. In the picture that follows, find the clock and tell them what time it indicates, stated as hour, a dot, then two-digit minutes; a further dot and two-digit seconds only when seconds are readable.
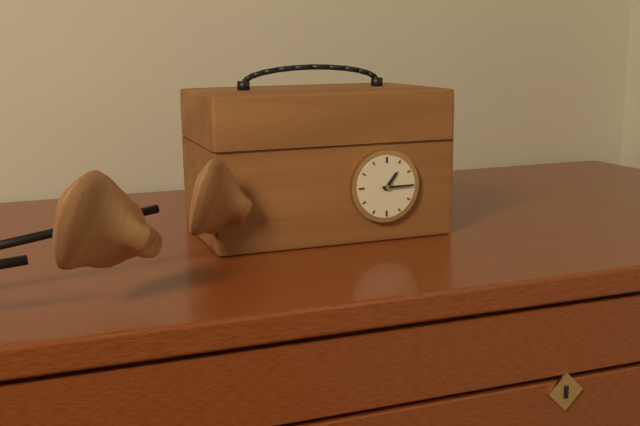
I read 1.15
